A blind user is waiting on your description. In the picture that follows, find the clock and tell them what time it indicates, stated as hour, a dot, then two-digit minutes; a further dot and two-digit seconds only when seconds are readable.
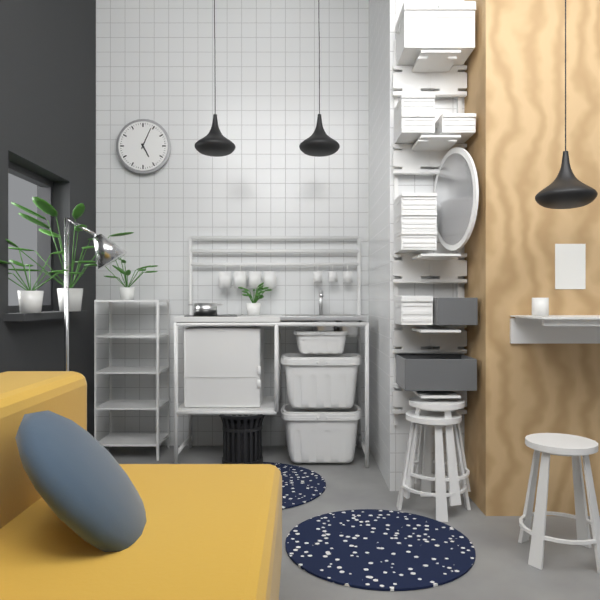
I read 5.04
